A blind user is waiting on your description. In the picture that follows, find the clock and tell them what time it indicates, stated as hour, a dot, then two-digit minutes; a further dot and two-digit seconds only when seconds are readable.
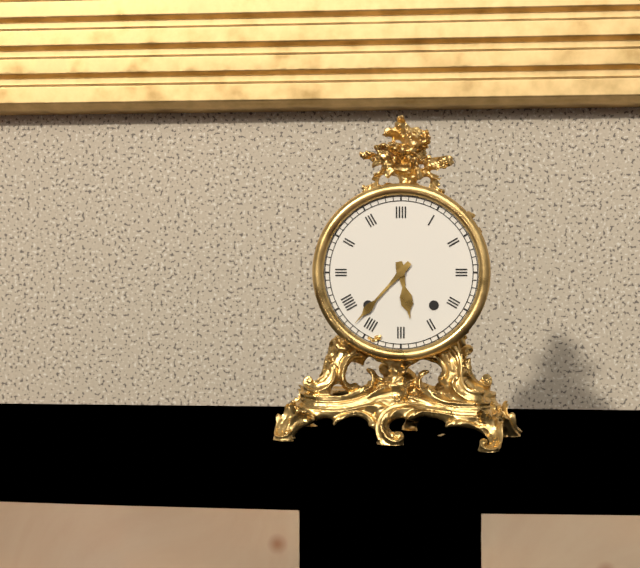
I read 5.37
